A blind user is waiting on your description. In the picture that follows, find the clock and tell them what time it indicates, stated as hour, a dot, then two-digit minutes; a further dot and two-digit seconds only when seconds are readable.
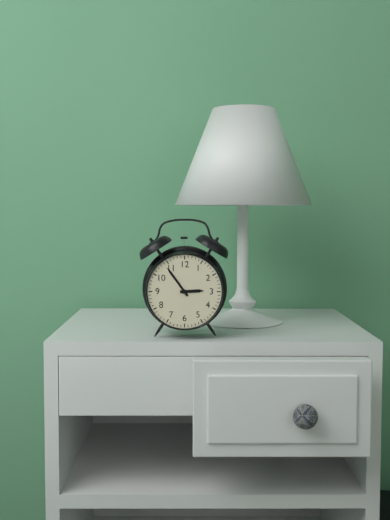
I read 2.54
